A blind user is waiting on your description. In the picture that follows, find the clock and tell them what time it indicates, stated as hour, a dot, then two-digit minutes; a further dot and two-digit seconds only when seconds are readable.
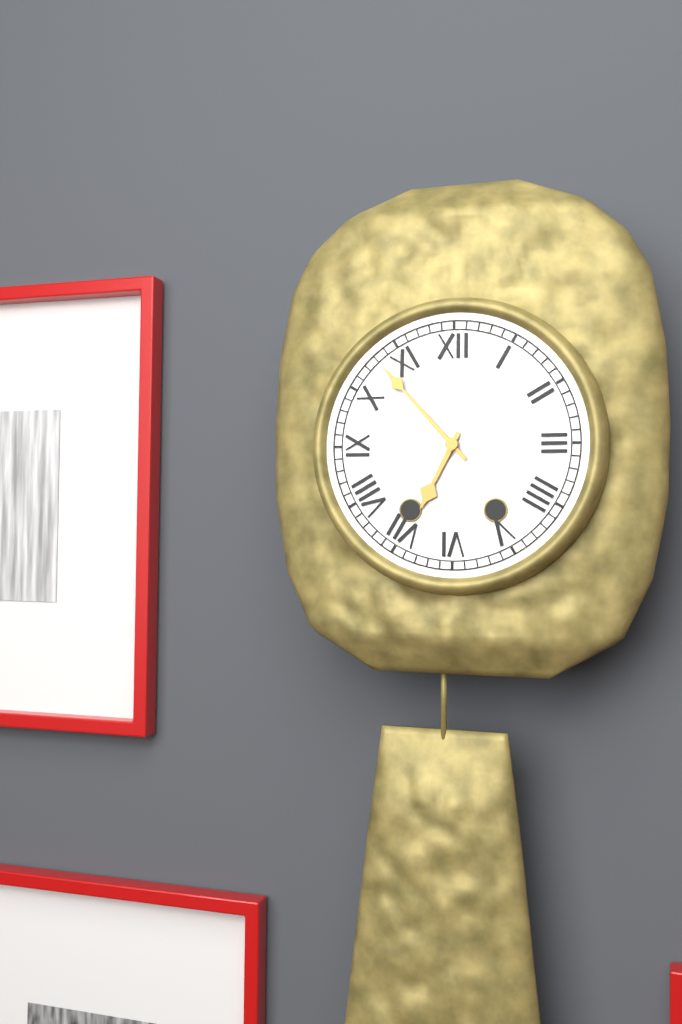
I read 6.53
